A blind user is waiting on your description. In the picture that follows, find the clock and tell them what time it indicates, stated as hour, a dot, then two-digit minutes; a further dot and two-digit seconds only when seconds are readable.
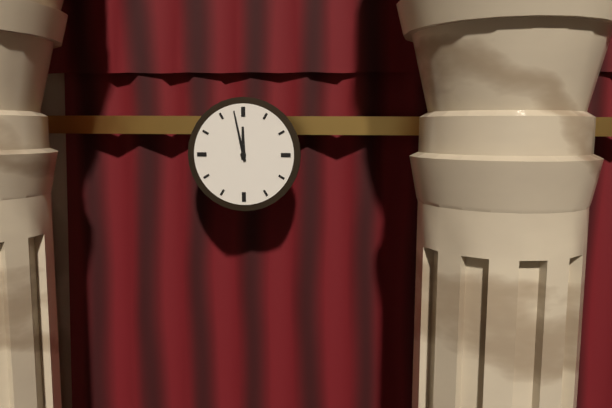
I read 11.58
